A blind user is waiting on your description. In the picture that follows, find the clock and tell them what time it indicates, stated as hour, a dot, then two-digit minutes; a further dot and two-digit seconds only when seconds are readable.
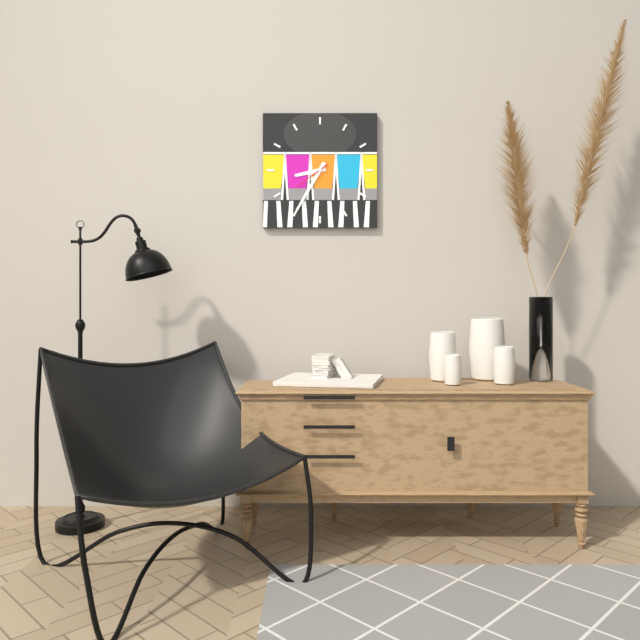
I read 8.35
